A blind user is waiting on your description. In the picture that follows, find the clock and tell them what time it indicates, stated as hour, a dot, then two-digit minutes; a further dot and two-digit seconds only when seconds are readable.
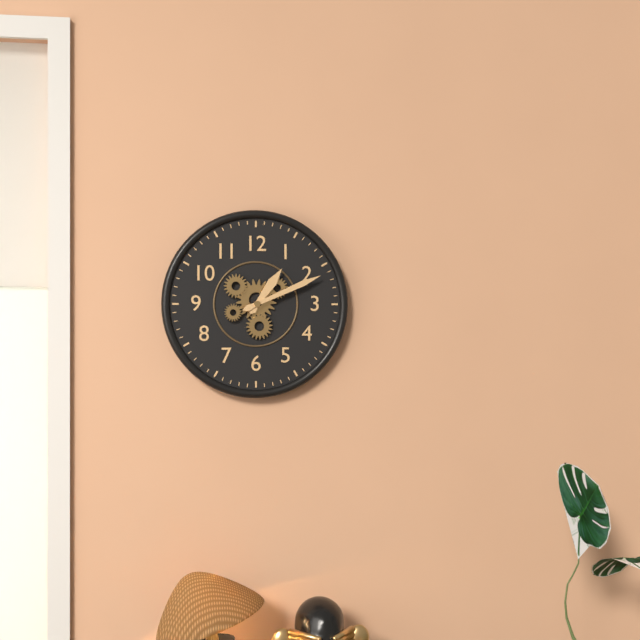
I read 1.11
